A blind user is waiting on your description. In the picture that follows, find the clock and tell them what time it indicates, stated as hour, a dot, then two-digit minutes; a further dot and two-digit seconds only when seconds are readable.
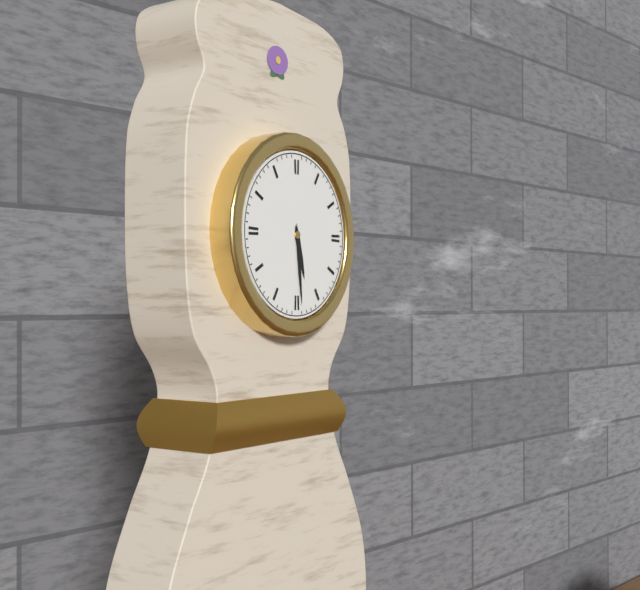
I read 5.29
